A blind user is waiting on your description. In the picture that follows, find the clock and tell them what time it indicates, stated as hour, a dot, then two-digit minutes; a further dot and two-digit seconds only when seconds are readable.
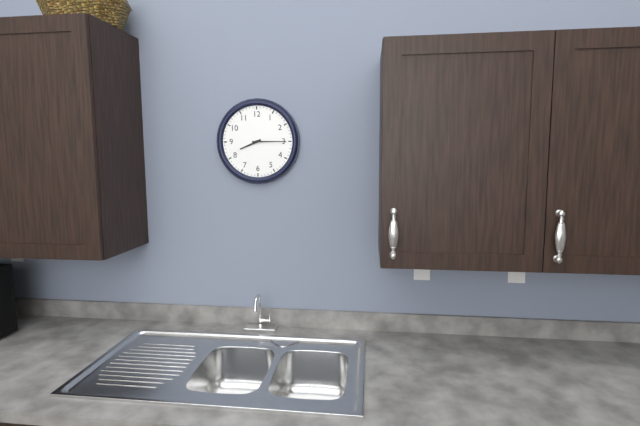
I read 8.15
